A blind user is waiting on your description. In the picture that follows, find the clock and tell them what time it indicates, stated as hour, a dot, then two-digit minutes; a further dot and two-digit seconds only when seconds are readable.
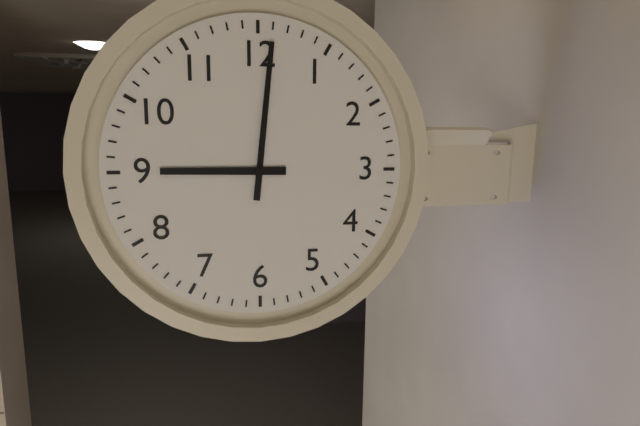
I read 9.01
